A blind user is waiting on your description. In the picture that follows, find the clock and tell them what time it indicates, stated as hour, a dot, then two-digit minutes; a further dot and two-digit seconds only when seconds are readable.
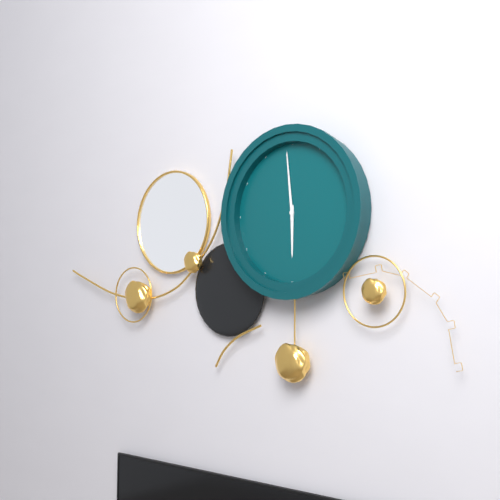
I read 5.59
